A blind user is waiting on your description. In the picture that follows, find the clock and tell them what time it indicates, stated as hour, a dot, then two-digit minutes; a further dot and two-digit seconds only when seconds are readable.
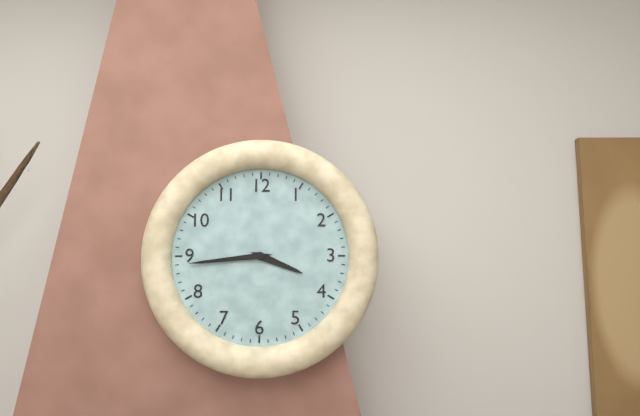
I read 3.44
